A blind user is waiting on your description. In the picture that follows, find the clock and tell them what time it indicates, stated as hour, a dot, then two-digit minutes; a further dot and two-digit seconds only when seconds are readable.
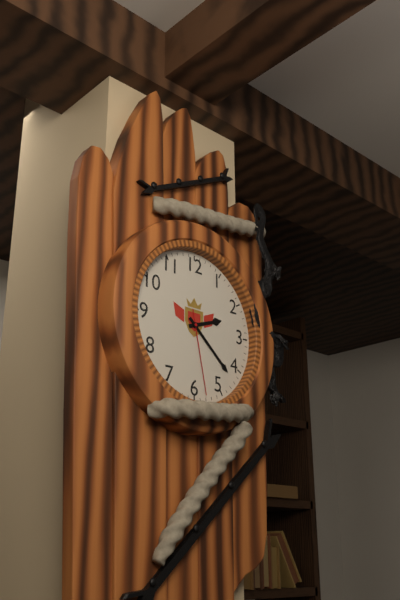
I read 2.22.28
